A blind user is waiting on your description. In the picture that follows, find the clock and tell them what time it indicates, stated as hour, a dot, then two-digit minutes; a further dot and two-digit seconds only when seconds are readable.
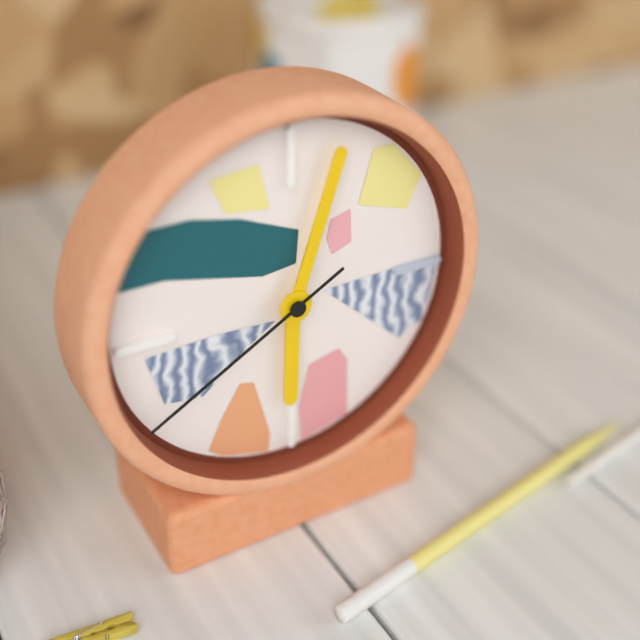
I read 6.03.40
